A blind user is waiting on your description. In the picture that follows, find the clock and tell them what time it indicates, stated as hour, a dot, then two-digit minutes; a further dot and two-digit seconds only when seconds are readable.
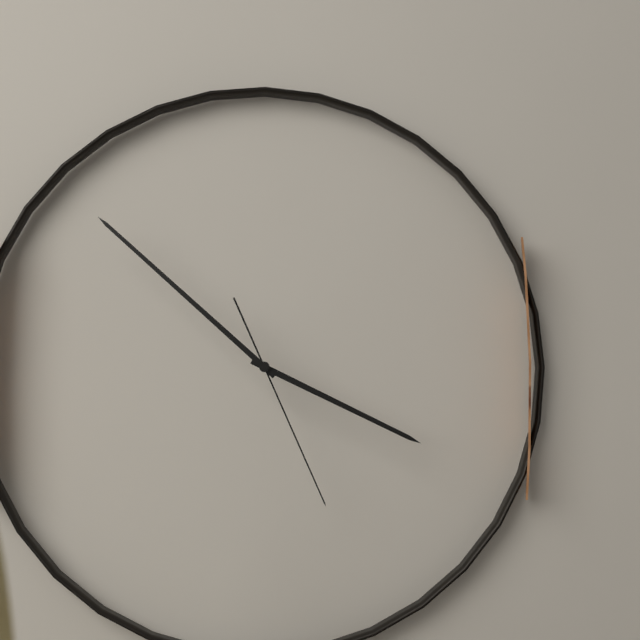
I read 3.52.26
